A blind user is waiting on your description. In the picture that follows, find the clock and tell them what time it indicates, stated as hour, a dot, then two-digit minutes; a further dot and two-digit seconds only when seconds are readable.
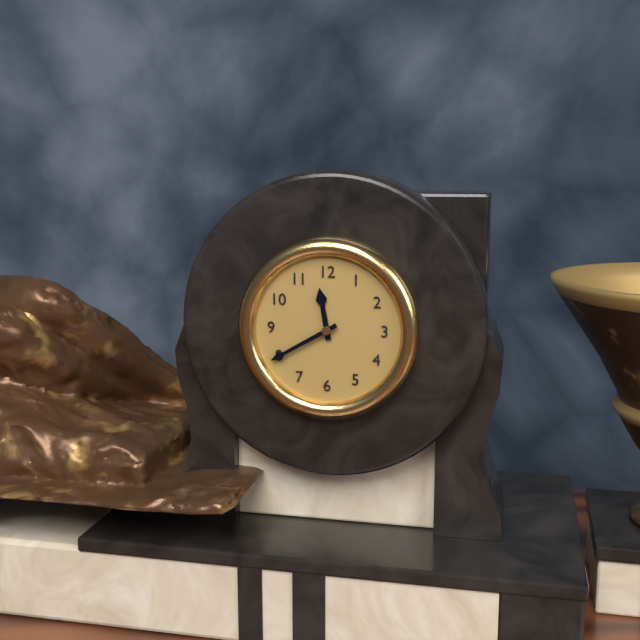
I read 11.40
